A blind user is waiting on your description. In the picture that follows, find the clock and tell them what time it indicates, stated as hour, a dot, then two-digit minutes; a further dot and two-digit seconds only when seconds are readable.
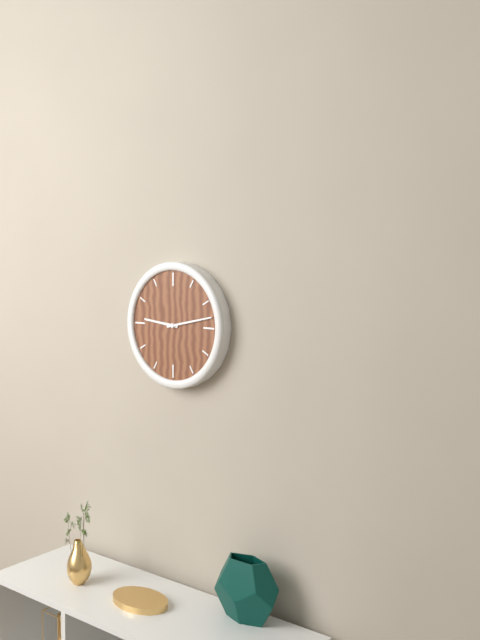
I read 9.13
